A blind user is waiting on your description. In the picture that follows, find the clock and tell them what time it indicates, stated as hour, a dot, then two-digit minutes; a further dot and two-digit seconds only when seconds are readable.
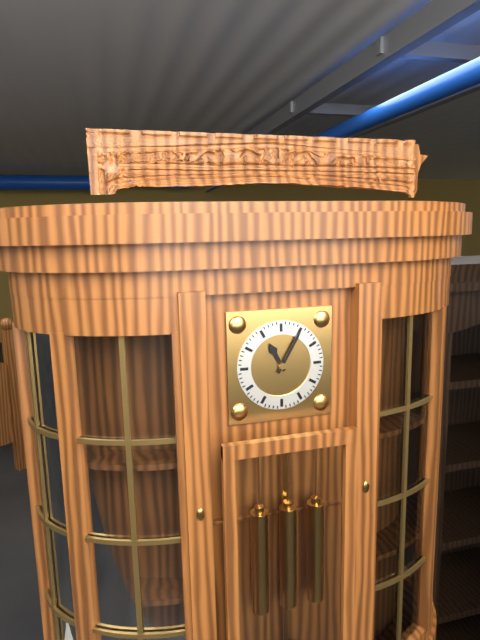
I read 11.05
